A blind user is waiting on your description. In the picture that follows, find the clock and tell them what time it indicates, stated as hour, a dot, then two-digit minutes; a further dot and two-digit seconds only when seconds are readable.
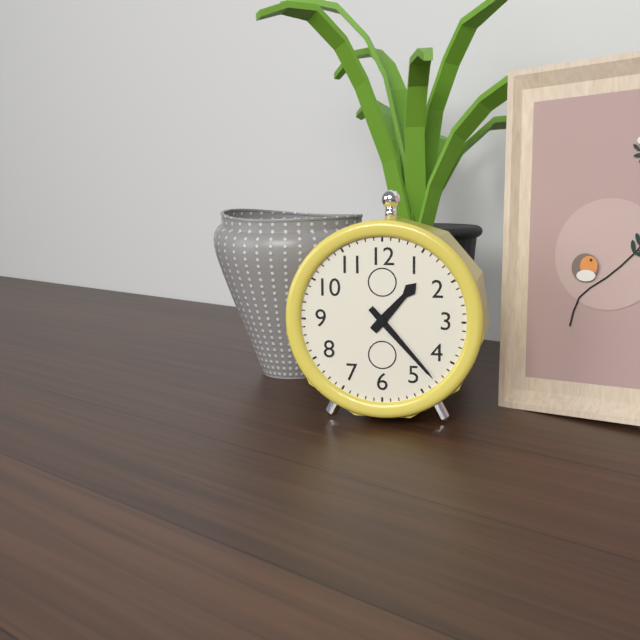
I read 1.23
